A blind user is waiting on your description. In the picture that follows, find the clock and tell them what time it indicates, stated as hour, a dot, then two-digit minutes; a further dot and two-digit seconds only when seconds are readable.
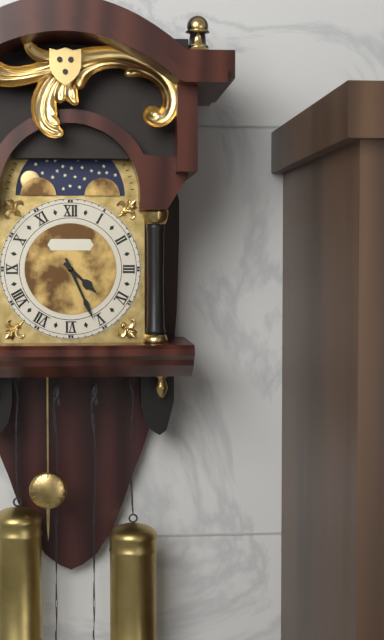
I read 4.26
